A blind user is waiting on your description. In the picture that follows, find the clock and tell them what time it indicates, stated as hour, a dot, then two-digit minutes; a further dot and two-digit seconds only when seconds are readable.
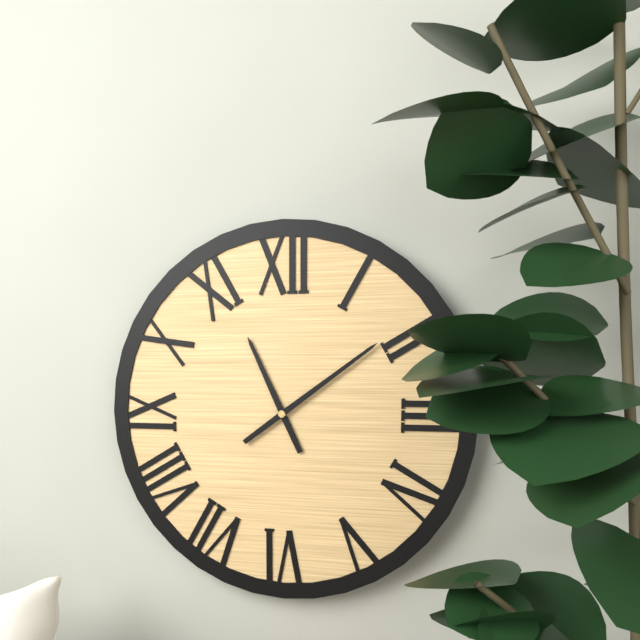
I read 11.09
